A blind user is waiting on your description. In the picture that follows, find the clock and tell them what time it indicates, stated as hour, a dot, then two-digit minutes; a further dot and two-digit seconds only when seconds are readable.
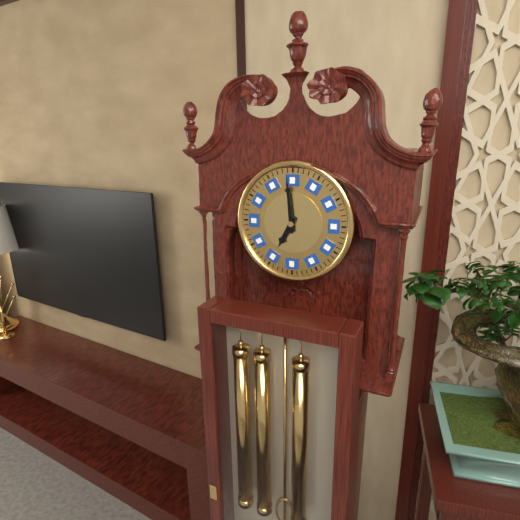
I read 6.59
